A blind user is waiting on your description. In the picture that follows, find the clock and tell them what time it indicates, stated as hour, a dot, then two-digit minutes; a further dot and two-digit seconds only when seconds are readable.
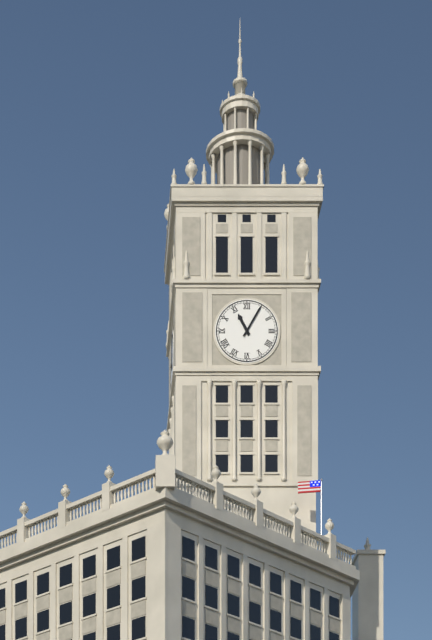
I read 11.05
